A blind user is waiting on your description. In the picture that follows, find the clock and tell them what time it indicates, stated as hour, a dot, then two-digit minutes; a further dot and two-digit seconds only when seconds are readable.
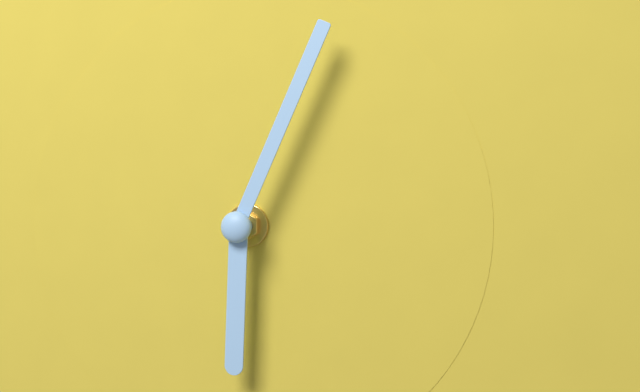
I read 6.04
